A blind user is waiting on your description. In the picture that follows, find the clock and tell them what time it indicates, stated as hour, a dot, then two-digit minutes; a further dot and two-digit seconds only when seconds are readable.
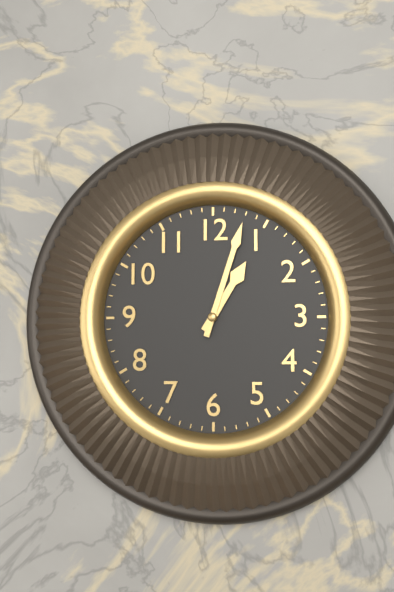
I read 1.03
